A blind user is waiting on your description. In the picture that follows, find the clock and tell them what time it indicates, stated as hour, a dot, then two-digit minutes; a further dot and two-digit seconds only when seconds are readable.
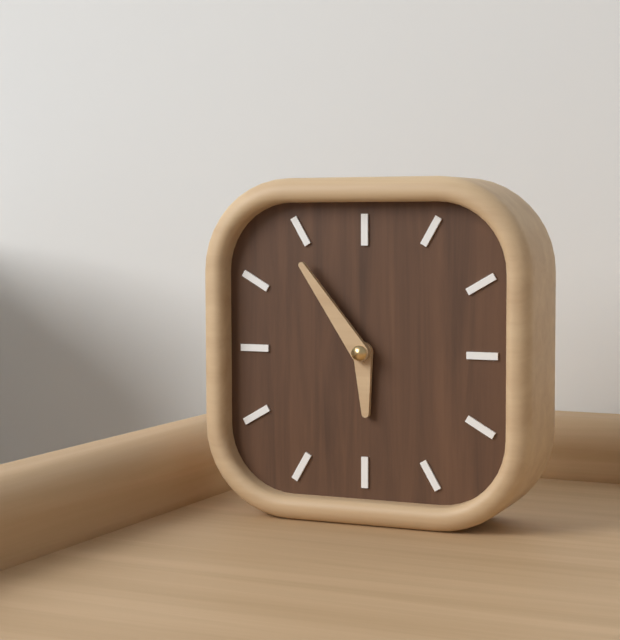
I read 5.54
